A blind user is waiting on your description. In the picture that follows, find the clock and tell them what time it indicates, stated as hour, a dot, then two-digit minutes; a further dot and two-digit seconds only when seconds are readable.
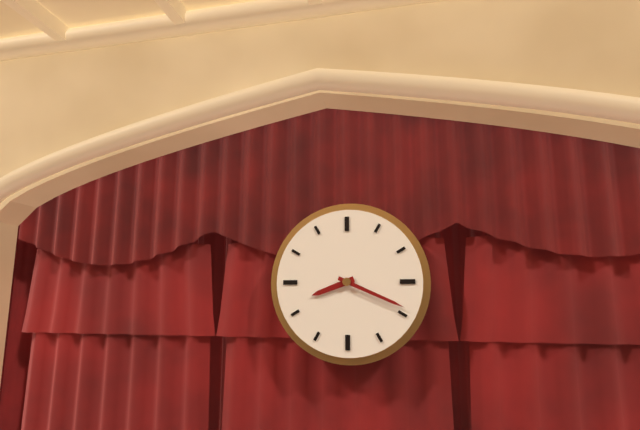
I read 8.19
